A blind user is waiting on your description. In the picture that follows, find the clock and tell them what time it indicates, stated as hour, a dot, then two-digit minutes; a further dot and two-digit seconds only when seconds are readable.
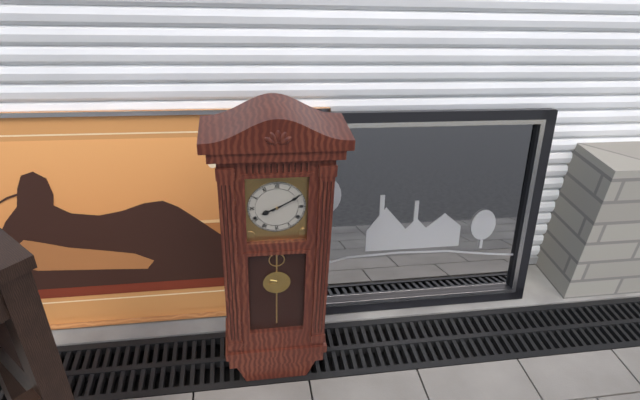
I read 8.10
